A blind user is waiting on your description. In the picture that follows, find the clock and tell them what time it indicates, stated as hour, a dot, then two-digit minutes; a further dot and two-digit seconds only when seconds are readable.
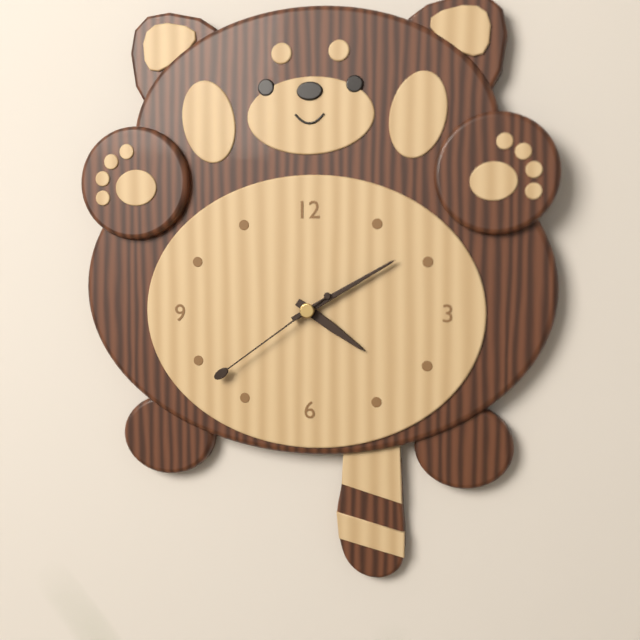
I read 4.10.39
